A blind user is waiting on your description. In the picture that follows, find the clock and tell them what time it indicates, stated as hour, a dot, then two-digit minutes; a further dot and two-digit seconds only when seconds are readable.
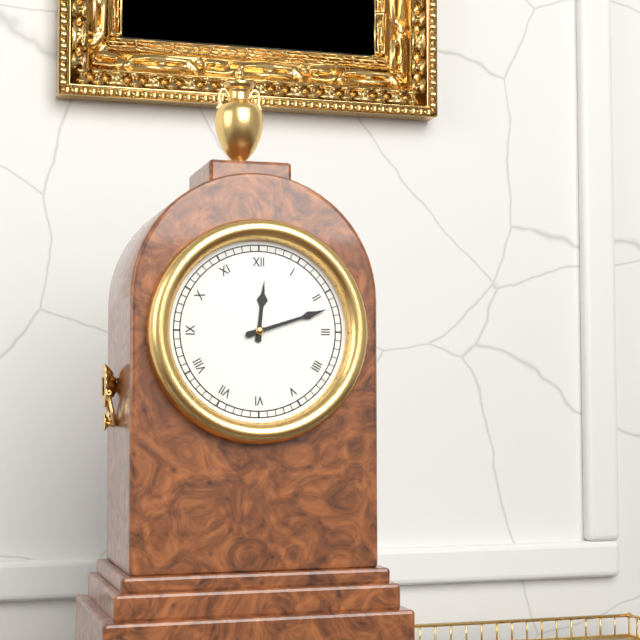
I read 12.12
